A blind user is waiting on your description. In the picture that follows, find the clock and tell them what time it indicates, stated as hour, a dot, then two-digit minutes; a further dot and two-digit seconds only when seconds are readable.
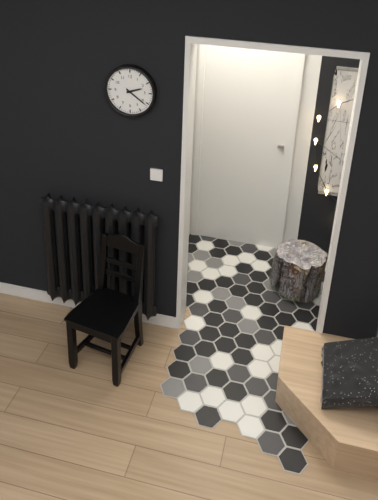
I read 2.21
